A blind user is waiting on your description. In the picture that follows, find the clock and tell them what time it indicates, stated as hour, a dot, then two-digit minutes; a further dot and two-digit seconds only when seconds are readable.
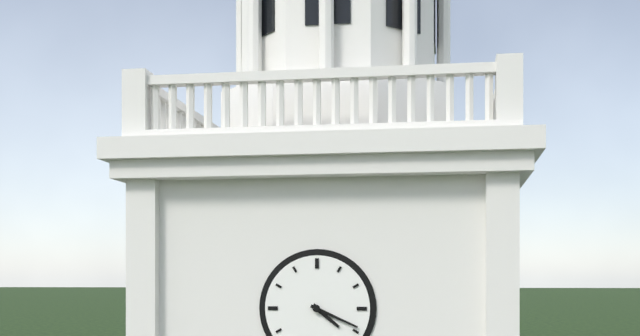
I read 4.19
